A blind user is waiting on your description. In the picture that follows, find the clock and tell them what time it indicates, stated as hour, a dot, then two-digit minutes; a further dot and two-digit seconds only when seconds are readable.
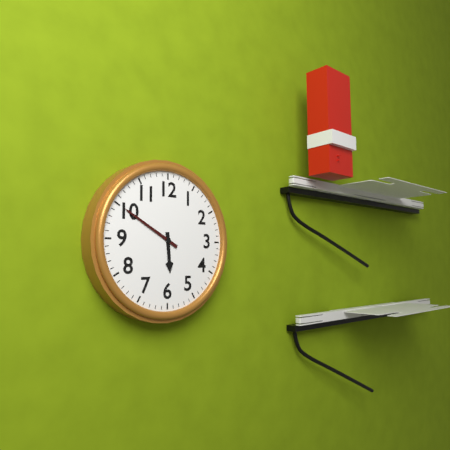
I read 5.50
